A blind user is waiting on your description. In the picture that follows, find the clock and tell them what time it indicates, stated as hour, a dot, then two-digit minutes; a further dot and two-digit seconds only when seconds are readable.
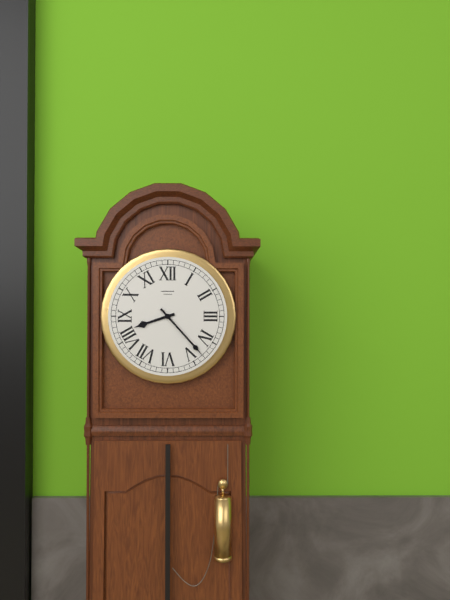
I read 8.23
